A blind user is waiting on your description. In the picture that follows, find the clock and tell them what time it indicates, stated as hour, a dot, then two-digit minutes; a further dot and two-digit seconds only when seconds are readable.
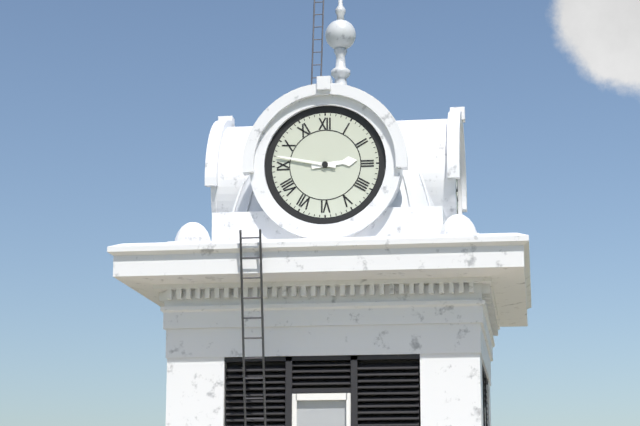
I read 2.47
